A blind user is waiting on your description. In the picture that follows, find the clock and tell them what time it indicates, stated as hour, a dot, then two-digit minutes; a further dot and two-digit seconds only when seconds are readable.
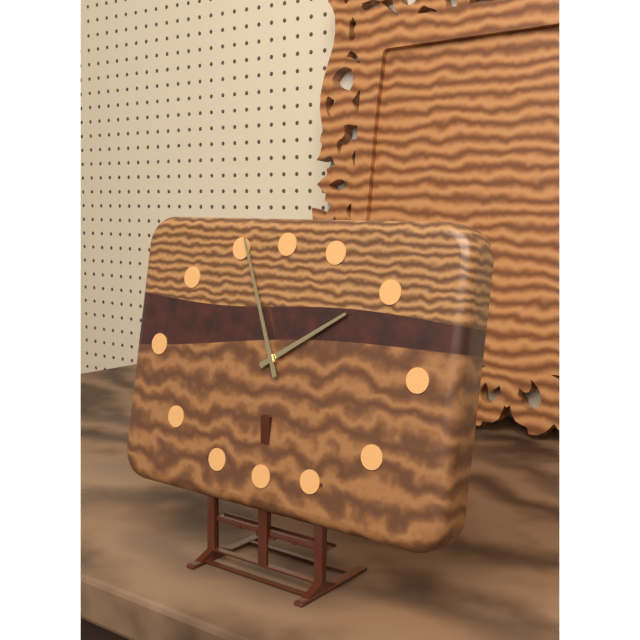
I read 1.56
